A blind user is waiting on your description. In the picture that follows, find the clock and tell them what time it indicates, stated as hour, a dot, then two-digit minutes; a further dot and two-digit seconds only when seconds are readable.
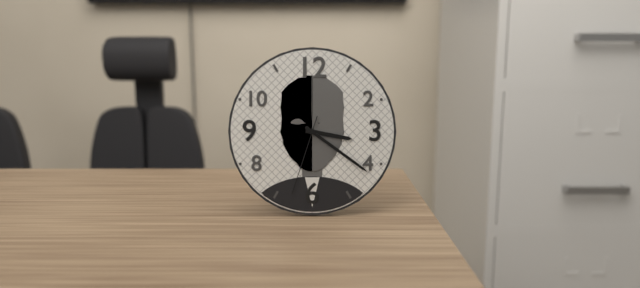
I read 3.21.33
